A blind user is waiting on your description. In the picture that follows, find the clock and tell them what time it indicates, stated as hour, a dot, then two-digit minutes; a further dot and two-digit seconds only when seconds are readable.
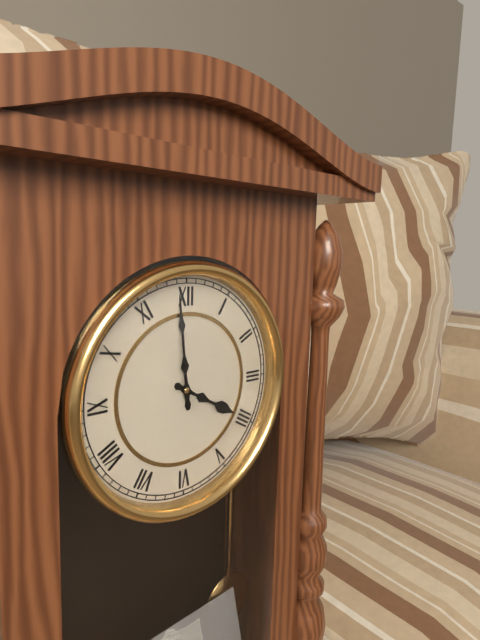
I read 3.59
